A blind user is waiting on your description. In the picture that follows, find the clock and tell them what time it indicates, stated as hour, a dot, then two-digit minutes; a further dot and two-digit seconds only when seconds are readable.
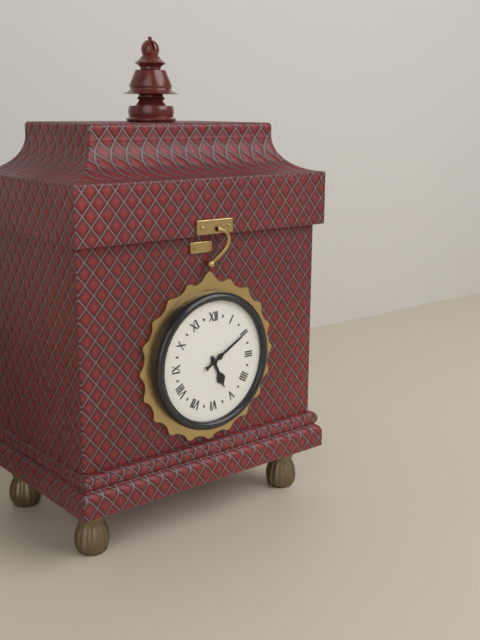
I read 5.10
